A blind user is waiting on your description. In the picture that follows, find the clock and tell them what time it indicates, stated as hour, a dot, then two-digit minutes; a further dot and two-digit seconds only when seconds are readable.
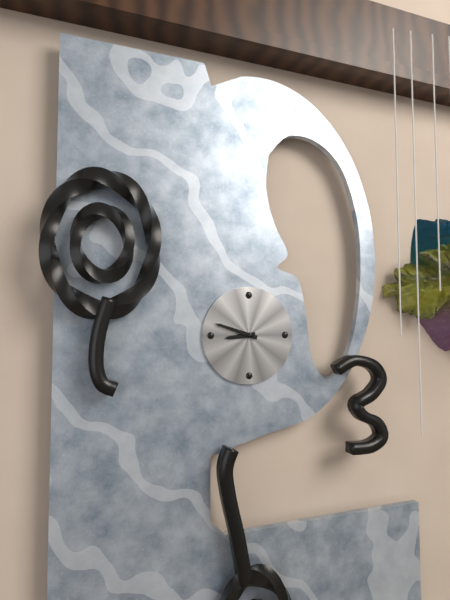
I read 8.48
